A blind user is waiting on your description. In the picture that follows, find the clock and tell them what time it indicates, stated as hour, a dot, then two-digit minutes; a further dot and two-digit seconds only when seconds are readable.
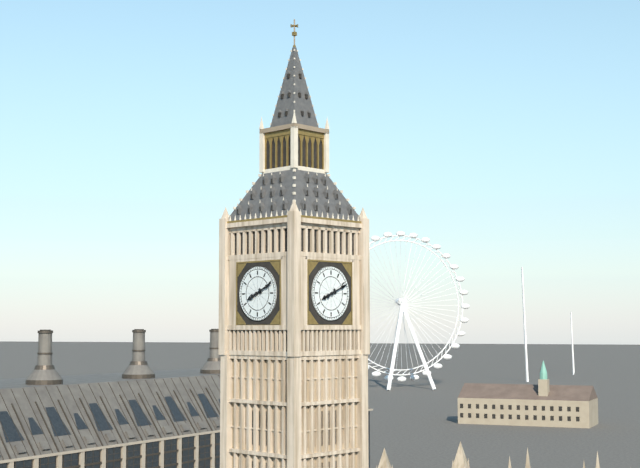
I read 8.11
